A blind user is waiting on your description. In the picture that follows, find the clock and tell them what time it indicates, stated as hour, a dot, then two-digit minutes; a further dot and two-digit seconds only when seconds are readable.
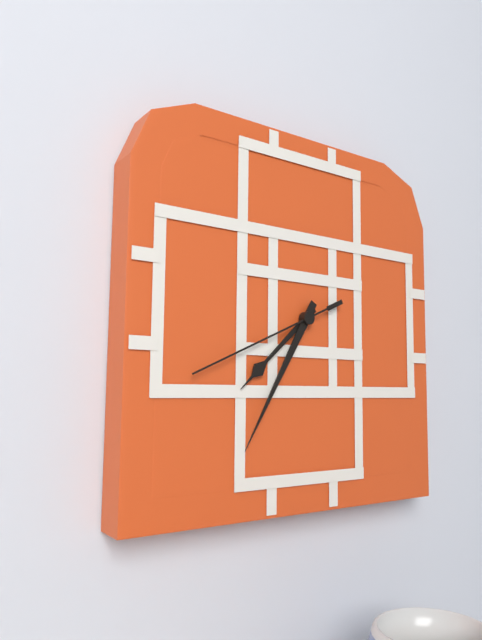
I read 7.35.41
